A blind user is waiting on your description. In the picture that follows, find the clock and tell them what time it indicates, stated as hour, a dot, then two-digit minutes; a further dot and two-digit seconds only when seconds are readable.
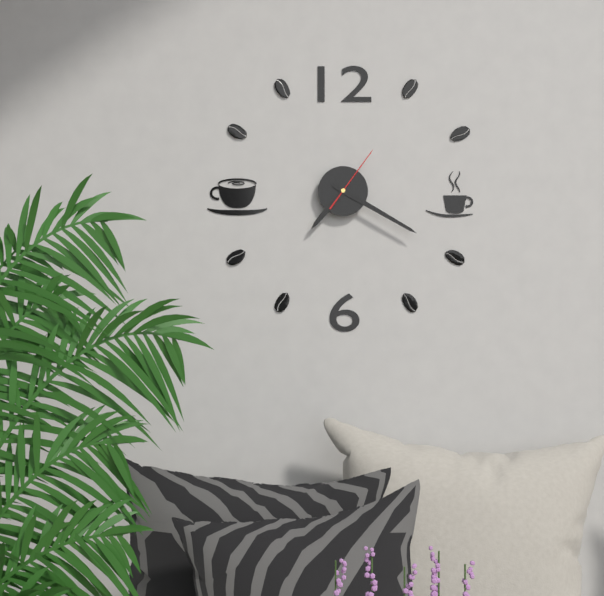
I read 7.20.06
